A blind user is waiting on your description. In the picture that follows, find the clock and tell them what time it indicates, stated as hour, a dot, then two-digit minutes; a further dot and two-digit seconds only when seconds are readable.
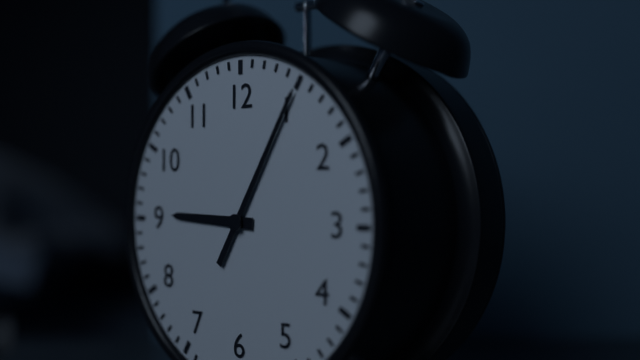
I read 9.05
